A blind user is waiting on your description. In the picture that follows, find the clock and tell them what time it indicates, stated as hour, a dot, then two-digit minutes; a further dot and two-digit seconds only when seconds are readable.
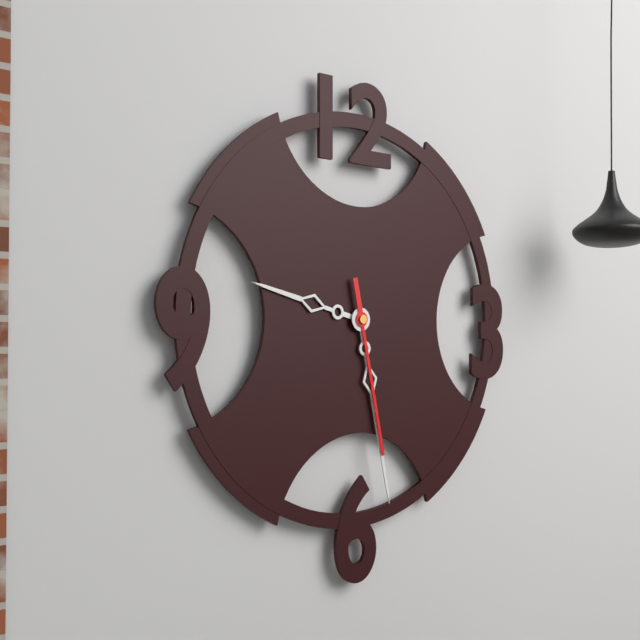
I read 9.28.28
